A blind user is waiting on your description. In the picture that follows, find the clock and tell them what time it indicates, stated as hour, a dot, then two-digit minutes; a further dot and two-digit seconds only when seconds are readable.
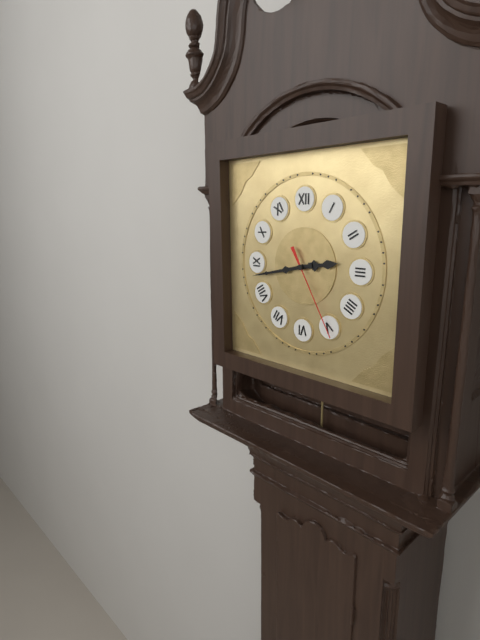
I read 2.43.25
